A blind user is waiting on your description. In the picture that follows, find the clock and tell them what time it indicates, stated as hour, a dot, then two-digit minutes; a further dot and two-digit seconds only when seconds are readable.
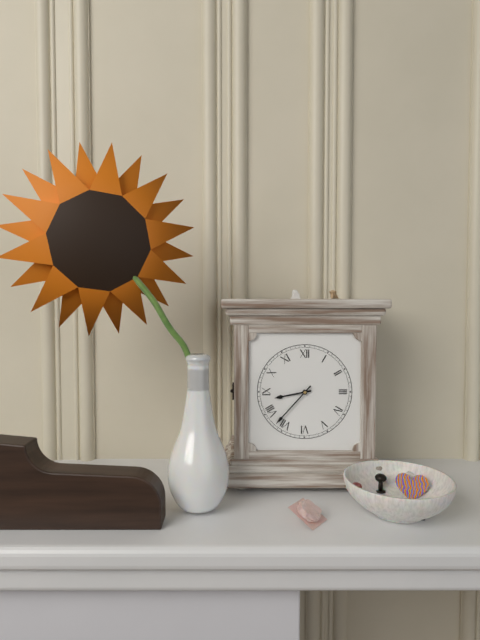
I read 8.37
